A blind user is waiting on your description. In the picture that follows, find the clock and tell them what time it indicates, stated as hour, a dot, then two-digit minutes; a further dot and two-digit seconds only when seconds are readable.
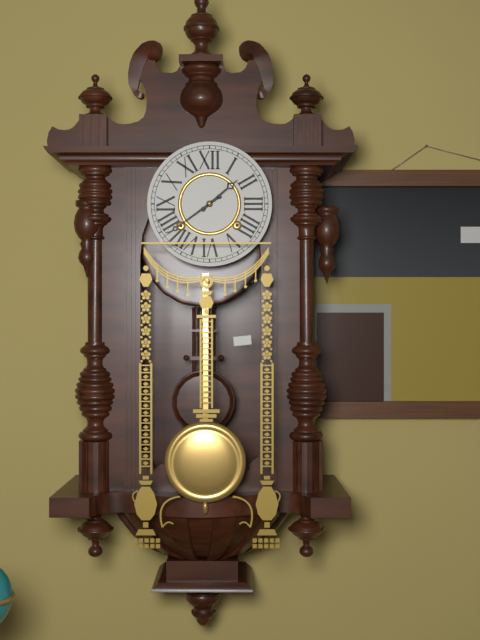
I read 1.39
